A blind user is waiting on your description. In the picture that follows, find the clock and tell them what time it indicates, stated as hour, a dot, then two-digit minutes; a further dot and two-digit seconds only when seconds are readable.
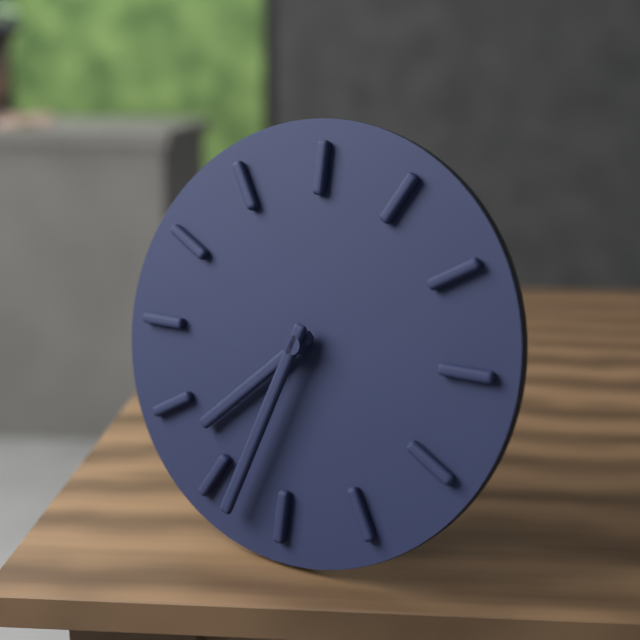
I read 7.33
